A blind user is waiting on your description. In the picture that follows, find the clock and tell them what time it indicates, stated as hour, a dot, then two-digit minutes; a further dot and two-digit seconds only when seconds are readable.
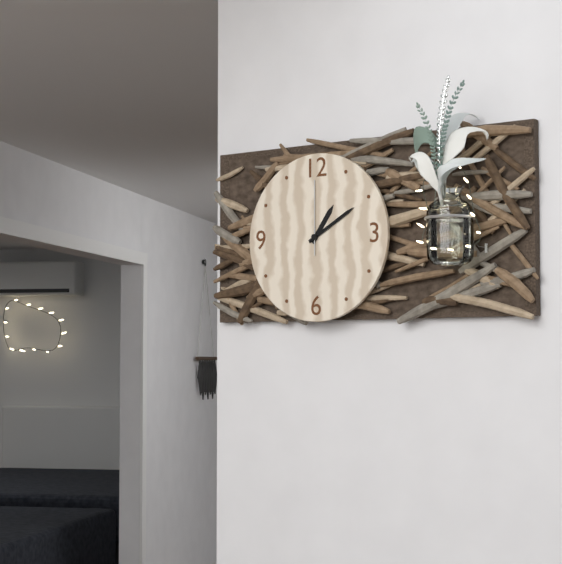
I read 1.10.00
